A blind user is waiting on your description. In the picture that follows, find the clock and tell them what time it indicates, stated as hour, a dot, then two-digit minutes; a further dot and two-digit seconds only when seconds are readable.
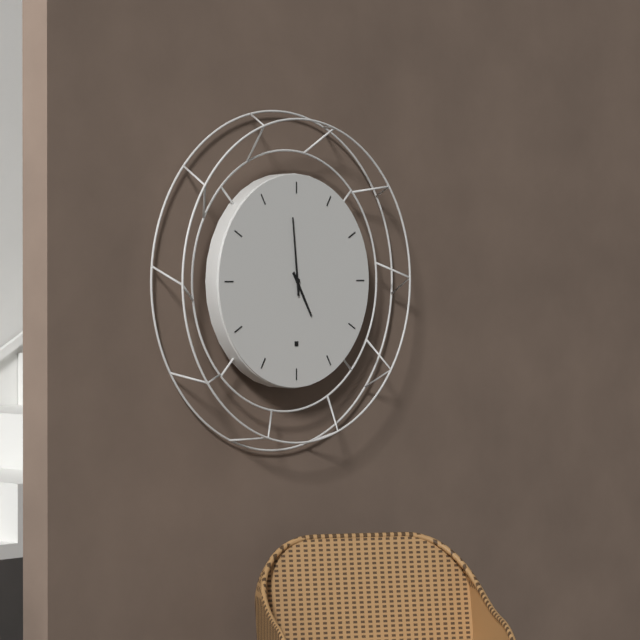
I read 4.59
